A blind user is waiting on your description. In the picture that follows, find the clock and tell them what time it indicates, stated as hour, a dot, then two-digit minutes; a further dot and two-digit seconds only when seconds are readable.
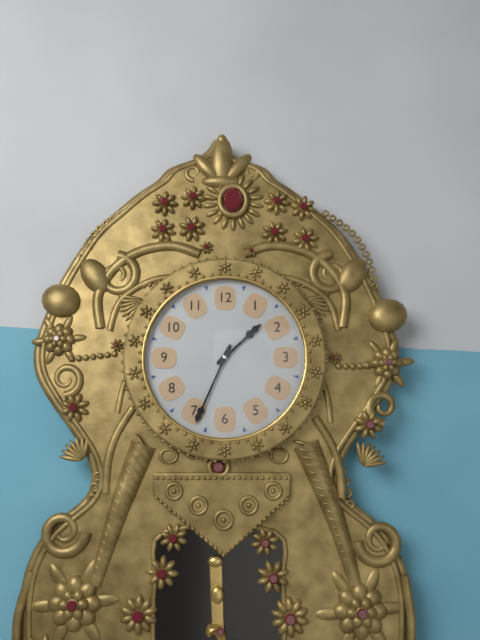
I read 1.34
